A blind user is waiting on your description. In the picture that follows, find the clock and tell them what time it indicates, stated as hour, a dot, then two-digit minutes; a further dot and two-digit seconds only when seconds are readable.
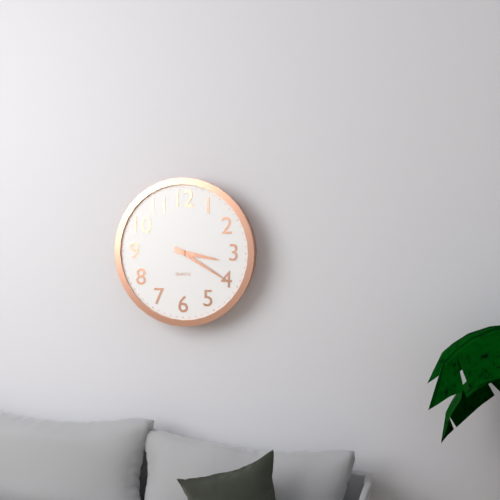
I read 3.20
